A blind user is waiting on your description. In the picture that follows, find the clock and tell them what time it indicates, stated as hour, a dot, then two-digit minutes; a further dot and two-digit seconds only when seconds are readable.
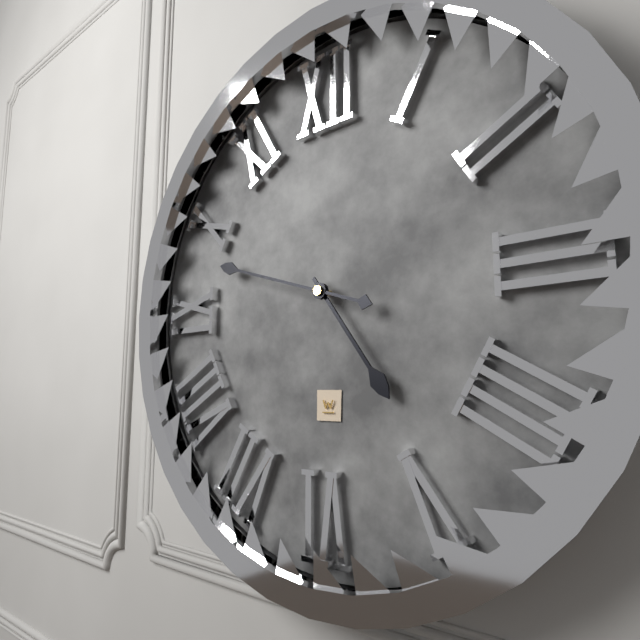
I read 4.48
